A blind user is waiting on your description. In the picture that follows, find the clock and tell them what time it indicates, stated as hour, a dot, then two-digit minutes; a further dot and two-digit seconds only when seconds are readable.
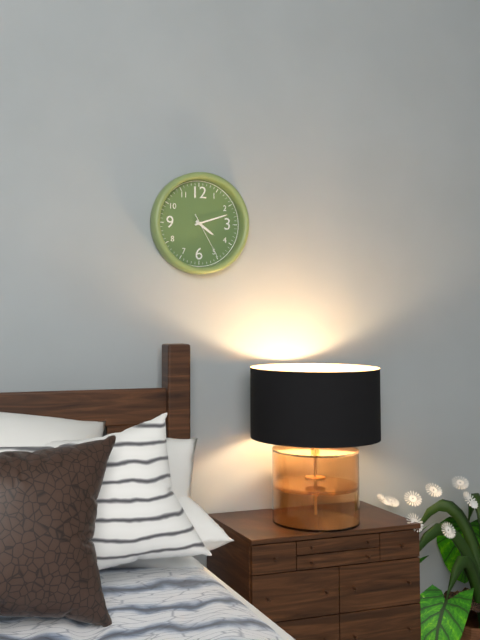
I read 4.12
